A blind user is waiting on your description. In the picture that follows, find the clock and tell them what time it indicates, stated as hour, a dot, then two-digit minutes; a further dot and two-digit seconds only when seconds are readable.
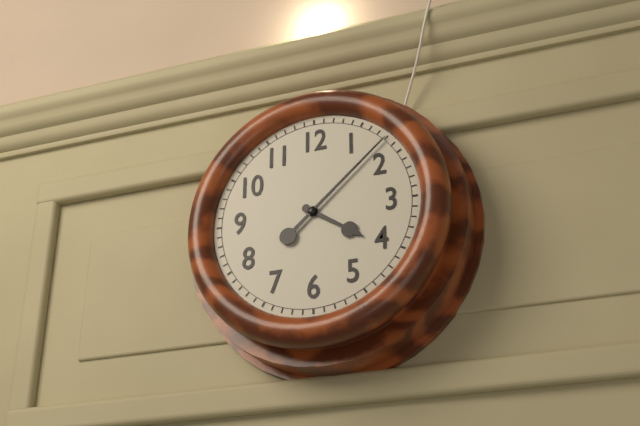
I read 4.08
